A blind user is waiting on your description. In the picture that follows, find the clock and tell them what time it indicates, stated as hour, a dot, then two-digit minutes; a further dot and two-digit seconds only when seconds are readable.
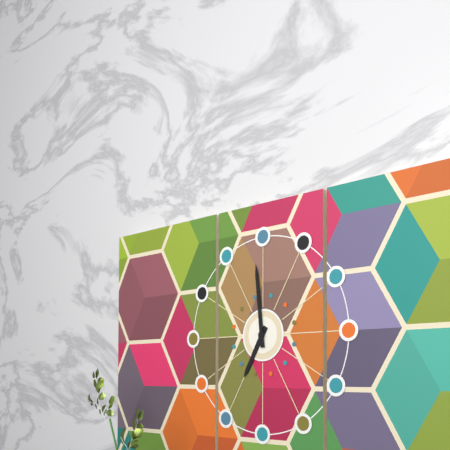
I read 6.59
